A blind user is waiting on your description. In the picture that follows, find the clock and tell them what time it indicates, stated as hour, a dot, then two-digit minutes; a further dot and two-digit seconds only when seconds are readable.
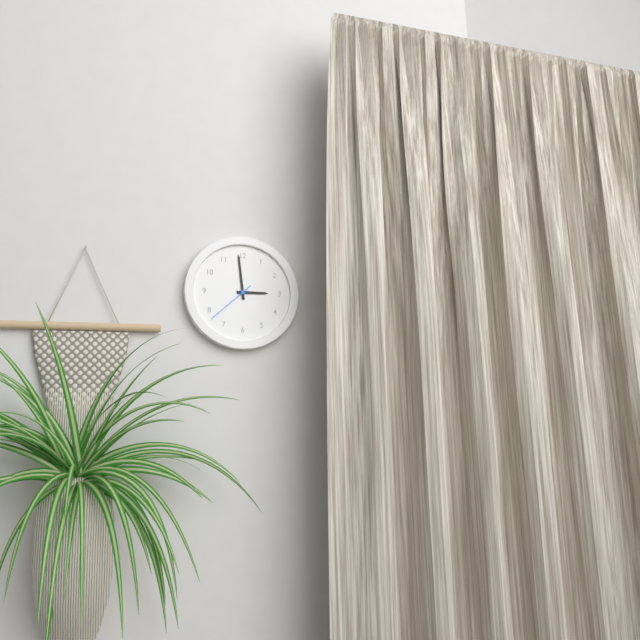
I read 2.59.38
